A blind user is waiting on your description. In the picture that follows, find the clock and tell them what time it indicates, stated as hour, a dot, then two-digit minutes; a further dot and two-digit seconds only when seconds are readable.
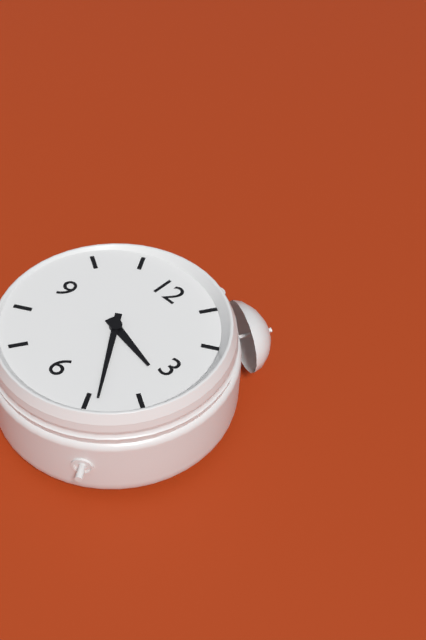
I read 3.24
